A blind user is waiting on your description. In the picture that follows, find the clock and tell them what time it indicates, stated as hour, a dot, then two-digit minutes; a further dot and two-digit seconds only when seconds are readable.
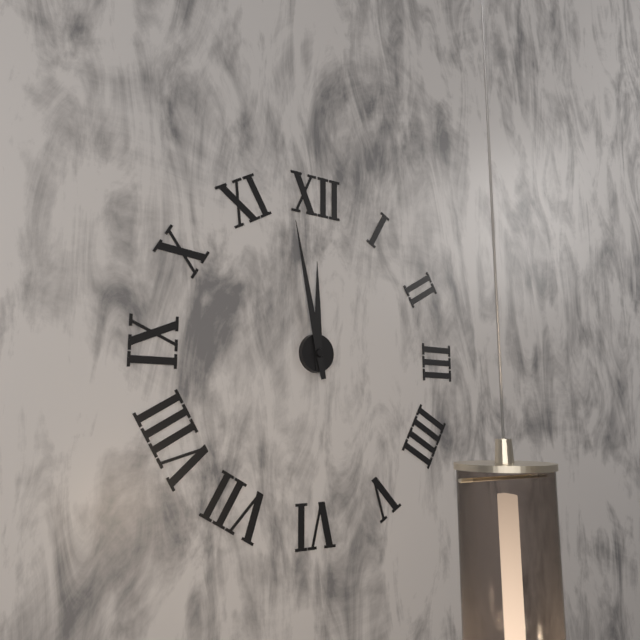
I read 11.58
